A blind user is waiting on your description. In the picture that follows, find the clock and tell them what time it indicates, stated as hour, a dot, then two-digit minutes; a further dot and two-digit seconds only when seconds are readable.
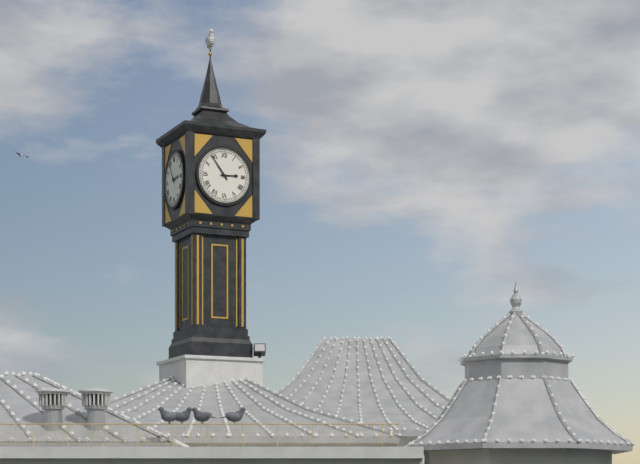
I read 2.54
